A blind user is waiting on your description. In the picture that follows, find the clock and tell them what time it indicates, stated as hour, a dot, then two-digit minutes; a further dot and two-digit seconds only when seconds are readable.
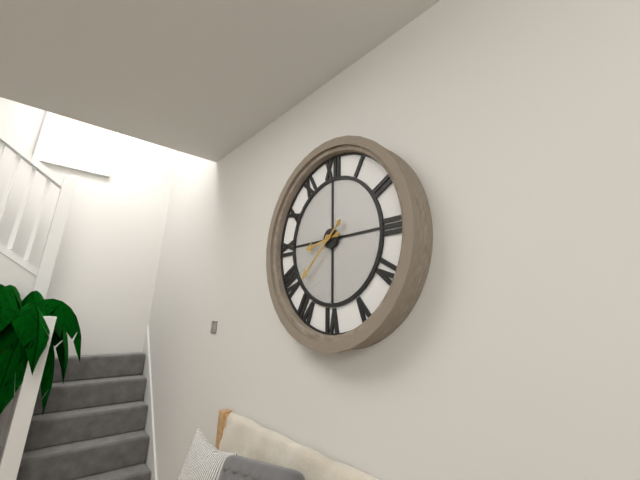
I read 8.38
